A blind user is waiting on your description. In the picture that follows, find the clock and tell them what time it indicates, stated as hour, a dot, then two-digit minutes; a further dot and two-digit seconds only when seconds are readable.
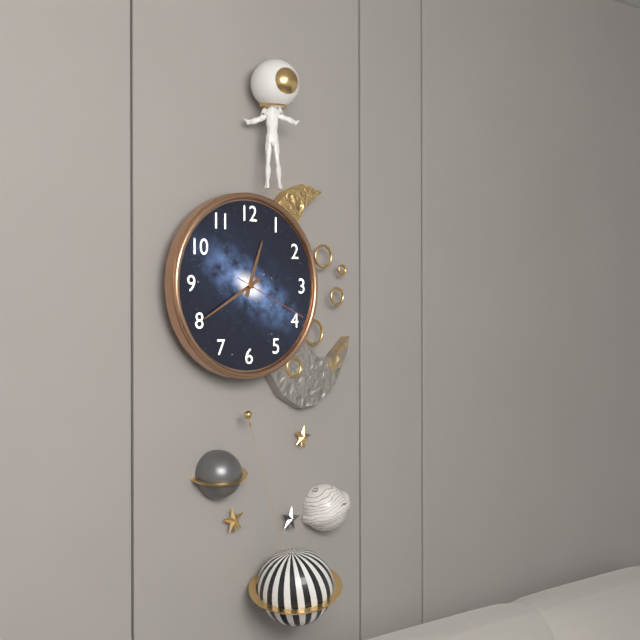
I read 12.40.19
